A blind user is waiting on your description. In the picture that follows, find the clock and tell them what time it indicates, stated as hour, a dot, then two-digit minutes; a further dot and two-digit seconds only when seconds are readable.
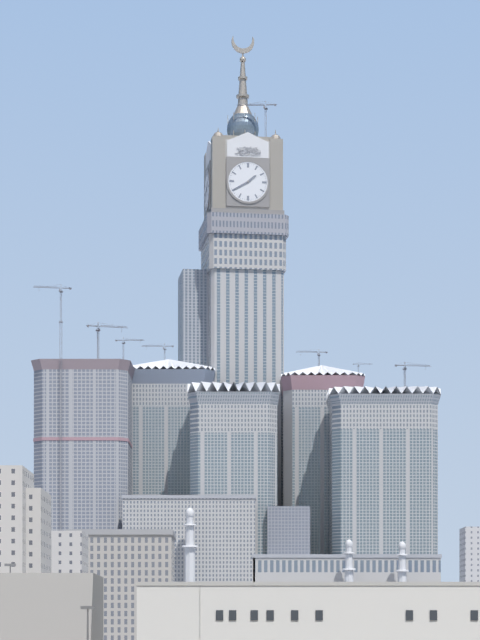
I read 1.40
